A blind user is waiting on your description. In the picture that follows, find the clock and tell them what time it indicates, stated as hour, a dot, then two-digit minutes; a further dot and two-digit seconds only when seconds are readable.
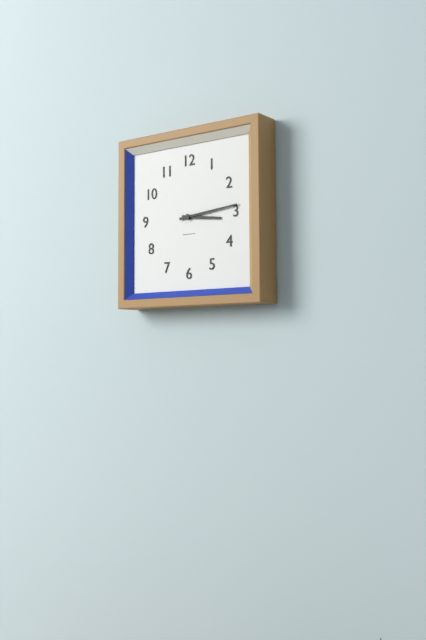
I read 3.14
